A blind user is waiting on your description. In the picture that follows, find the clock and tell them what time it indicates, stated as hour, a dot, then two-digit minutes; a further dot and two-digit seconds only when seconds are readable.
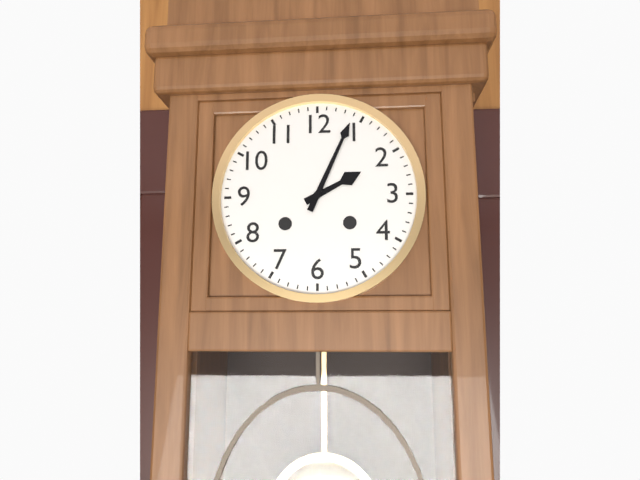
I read 2.04
